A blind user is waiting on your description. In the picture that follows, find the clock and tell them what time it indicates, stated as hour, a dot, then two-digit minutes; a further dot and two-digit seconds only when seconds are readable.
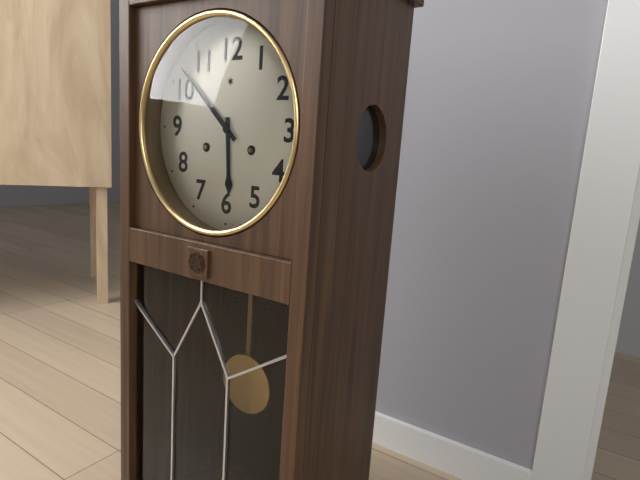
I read 5.52
